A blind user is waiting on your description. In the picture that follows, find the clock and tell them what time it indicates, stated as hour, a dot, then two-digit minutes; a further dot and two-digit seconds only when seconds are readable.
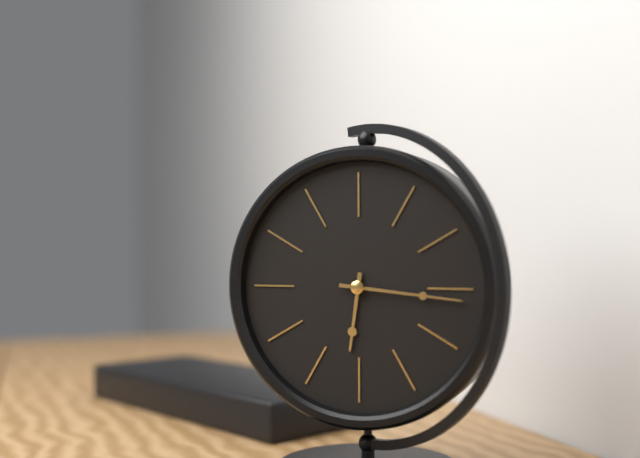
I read 6.16
